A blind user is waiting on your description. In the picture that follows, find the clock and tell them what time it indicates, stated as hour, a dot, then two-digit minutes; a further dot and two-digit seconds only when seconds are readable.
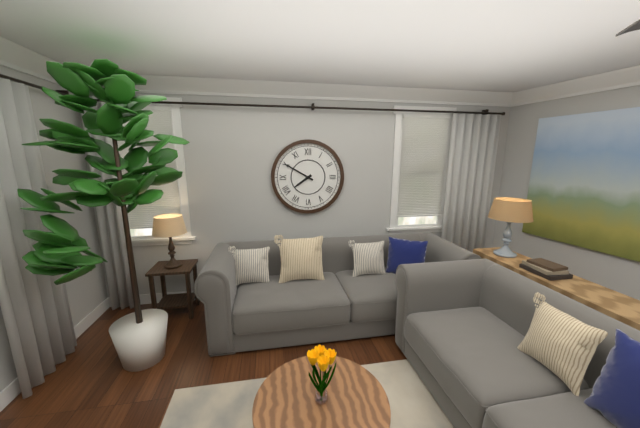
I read 7.50
